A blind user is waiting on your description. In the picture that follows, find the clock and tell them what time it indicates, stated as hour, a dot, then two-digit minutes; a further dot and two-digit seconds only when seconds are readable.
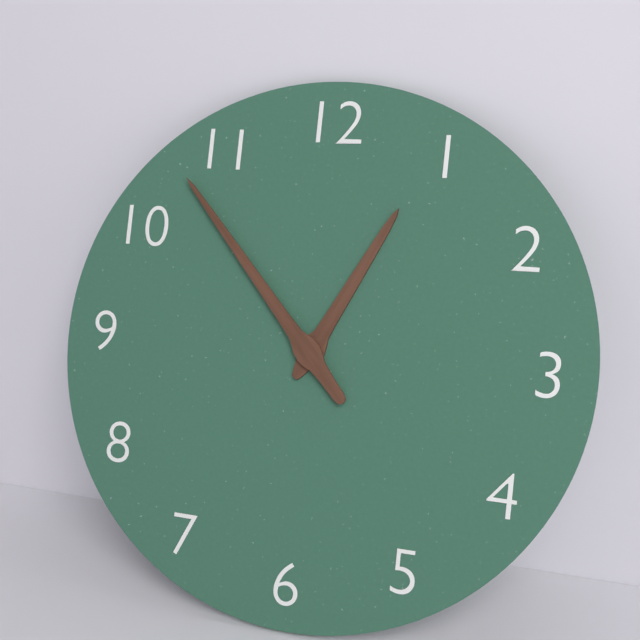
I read 12.53
